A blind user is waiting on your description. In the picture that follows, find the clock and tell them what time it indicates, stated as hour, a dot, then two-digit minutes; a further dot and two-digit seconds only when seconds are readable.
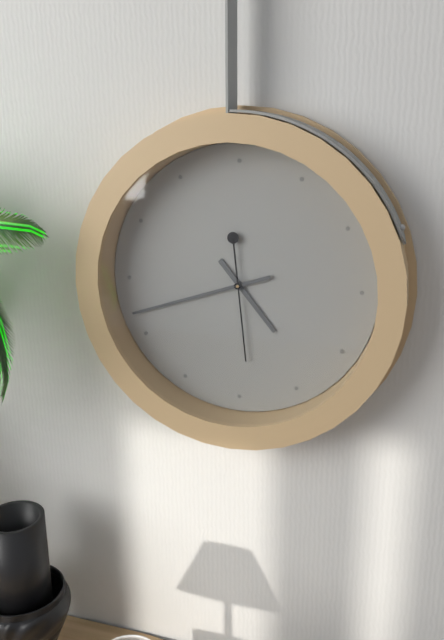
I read 4.42.29
